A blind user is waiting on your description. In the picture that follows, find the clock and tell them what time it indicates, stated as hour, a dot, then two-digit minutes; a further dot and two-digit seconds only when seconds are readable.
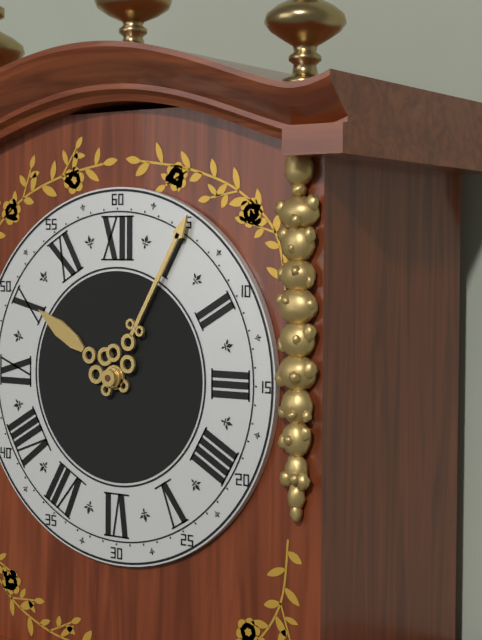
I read 10.05
